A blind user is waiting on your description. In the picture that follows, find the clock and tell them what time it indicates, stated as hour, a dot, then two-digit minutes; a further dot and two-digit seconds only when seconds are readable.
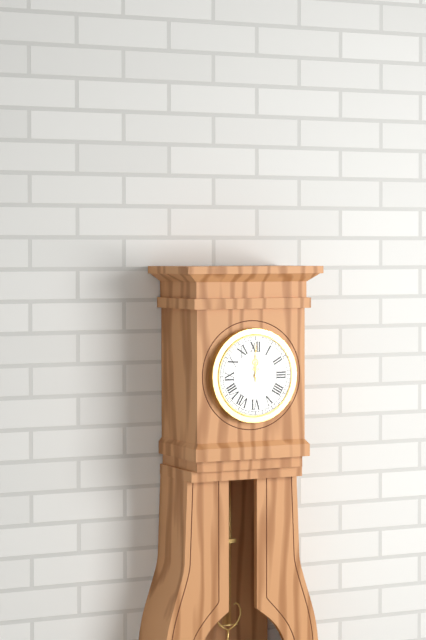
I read 12.00
